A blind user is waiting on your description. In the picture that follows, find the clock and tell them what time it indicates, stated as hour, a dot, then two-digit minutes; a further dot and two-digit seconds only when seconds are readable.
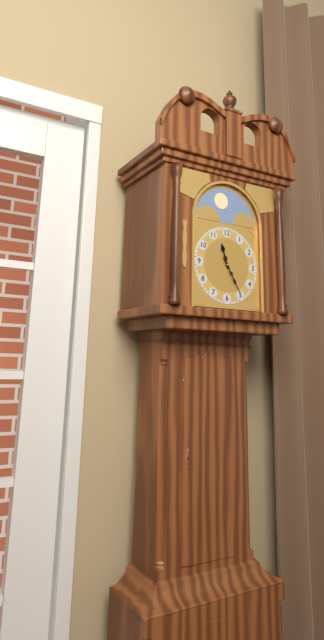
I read 11.25
